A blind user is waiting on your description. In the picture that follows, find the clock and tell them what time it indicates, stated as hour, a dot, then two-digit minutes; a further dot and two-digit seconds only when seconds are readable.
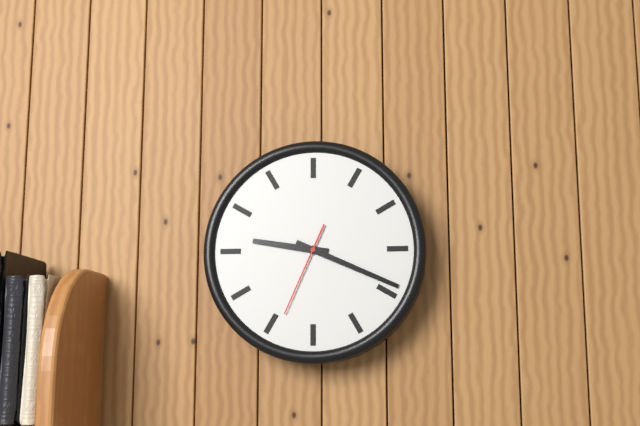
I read 9.19.34
